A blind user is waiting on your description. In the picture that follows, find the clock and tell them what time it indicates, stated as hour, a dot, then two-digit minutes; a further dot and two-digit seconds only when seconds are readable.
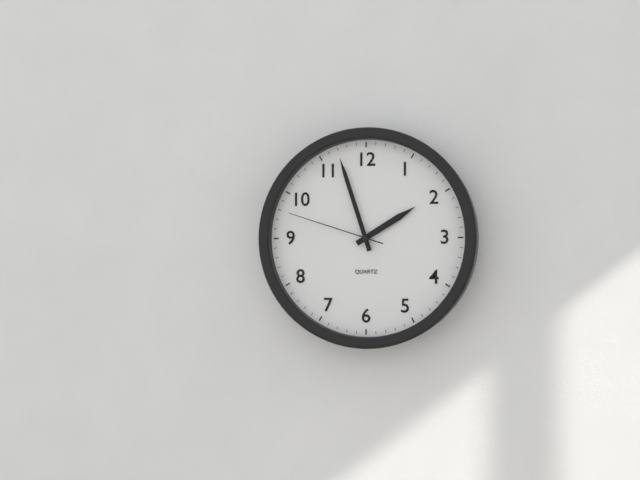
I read 1.57.48
